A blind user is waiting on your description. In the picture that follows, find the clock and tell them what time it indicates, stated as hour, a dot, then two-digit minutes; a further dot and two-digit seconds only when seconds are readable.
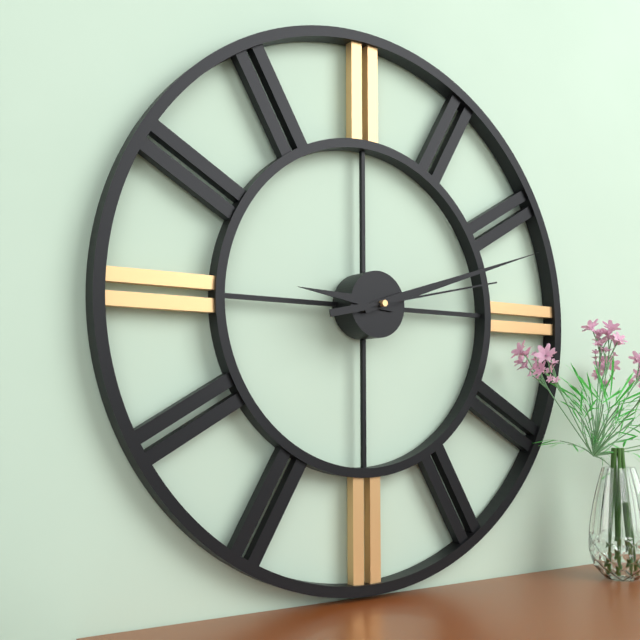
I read 9.12.13
